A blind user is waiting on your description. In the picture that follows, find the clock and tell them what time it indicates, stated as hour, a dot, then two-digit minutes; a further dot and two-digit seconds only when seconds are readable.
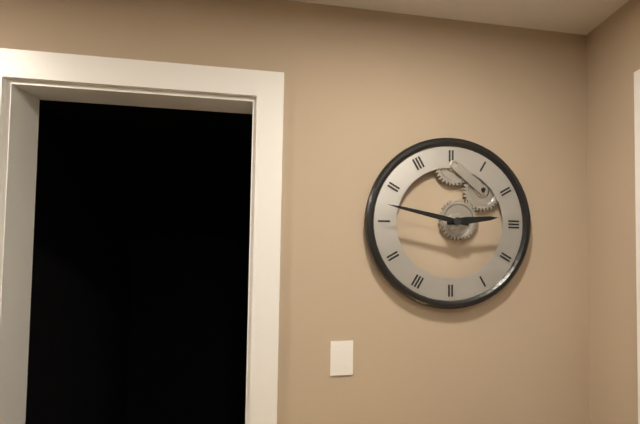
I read 2.47
